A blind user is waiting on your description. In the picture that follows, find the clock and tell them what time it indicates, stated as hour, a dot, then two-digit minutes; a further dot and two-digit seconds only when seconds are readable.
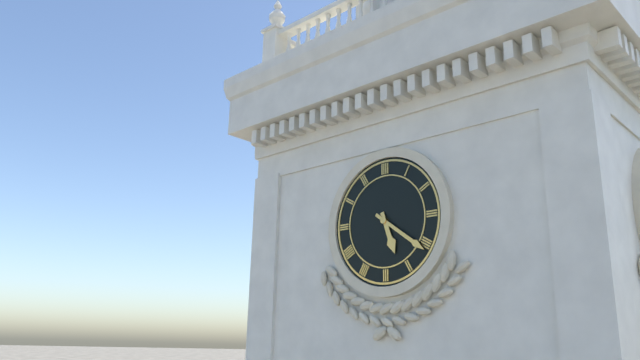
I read 5.21
